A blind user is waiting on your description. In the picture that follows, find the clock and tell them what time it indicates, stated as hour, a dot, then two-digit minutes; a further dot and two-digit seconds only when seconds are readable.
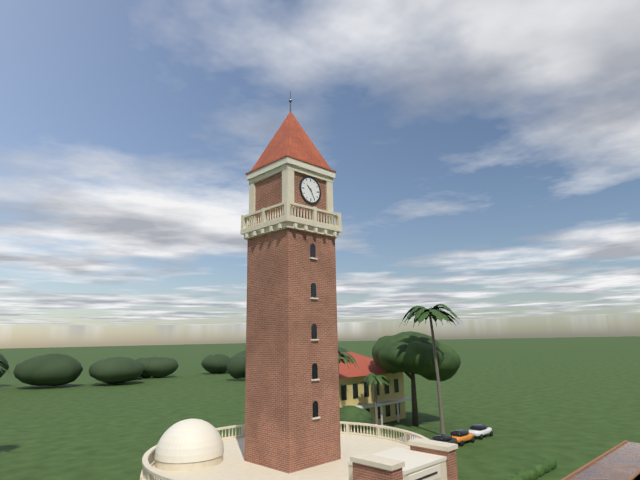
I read 10.25
